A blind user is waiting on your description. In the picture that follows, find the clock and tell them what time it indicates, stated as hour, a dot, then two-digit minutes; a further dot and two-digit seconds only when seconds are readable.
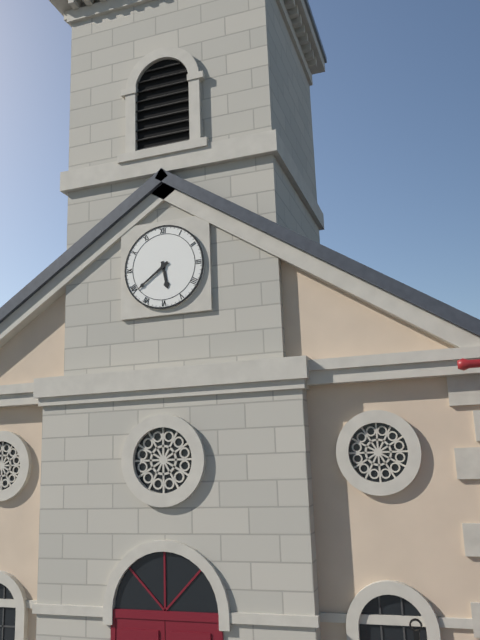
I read 5.39
